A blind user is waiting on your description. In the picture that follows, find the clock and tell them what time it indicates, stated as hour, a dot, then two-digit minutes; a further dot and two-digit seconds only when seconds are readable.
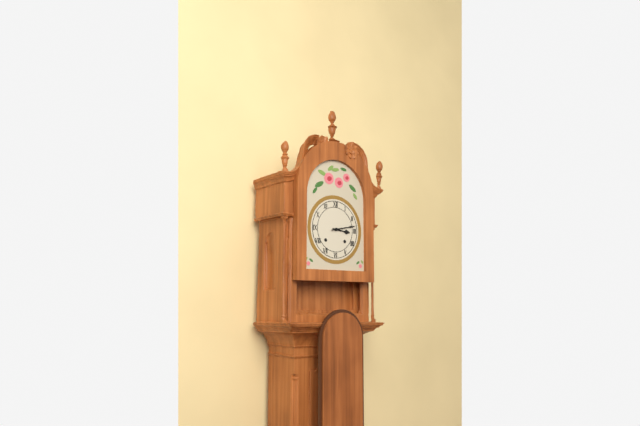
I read 3.13
